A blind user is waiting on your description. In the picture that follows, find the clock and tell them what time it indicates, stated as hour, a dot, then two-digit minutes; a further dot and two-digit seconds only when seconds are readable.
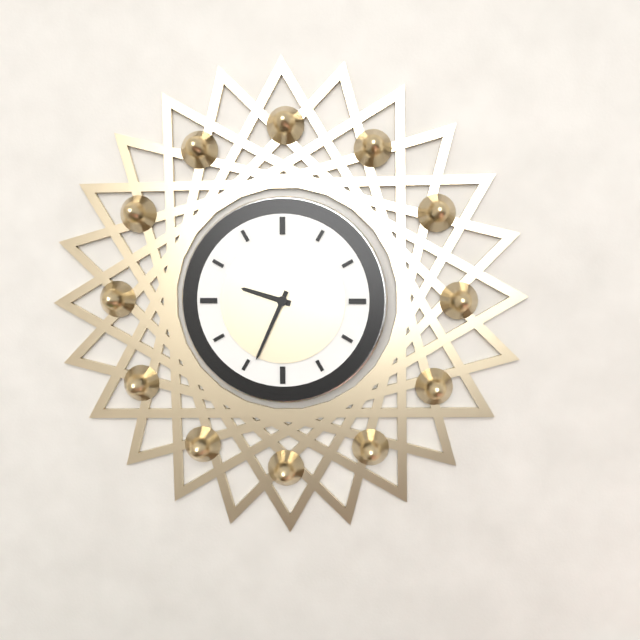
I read 9.34
